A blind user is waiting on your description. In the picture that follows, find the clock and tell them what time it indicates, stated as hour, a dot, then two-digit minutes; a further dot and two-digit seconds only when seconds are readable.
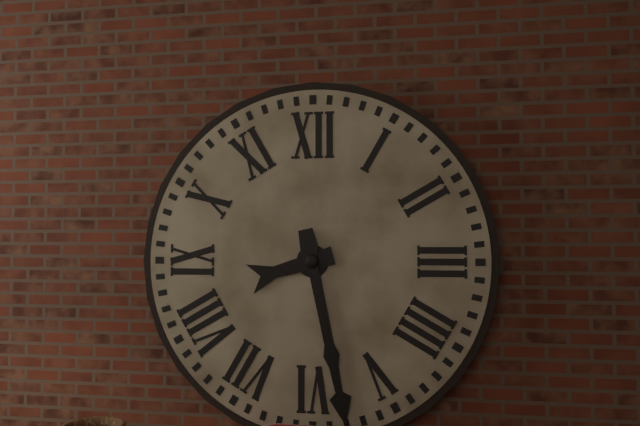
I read 8.28
